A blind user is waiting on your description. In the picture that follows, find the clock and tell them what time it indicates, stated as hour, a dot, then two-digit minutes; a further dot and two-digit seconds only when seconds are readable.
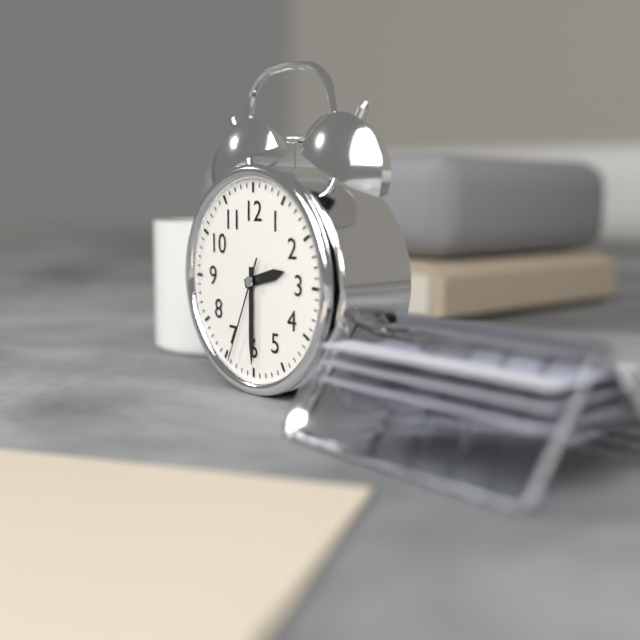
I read 2.30.34
